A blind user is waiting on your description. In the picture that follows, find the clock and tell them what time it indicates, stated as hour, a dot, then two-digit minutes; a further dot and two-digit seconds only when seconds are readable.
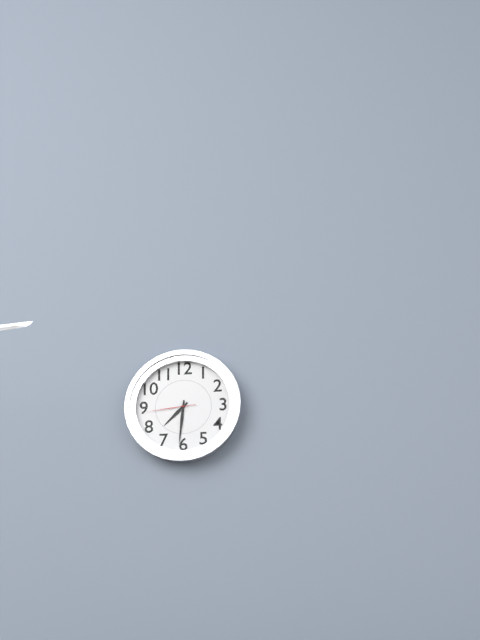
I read 7.31
